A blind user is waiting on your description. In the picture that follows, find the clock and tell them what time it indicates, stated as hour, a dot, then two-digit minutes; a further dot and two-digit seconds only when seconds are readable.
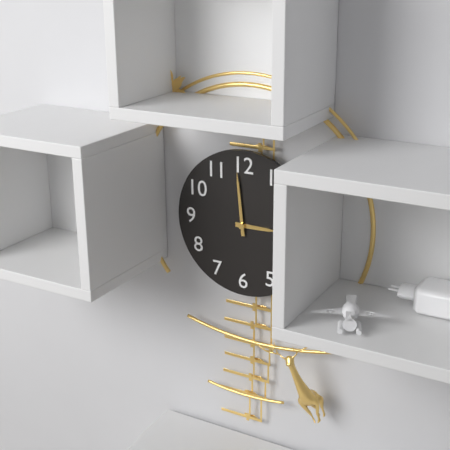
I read 2.59
